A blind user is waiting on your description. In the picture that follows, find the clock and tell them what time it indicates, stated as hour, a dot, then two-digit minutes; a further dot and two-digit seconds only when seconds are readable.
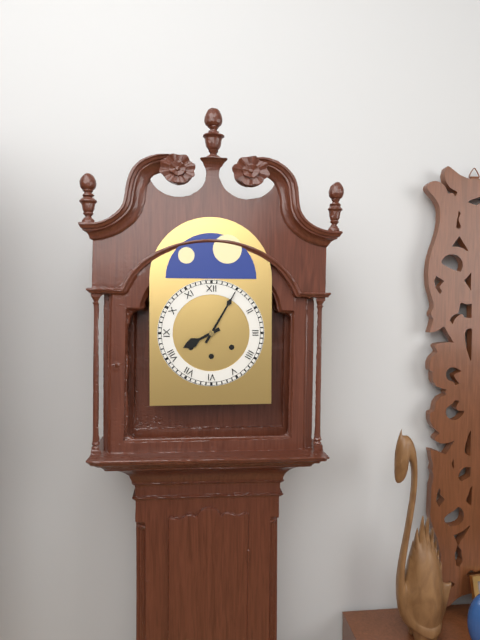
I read 8.05
